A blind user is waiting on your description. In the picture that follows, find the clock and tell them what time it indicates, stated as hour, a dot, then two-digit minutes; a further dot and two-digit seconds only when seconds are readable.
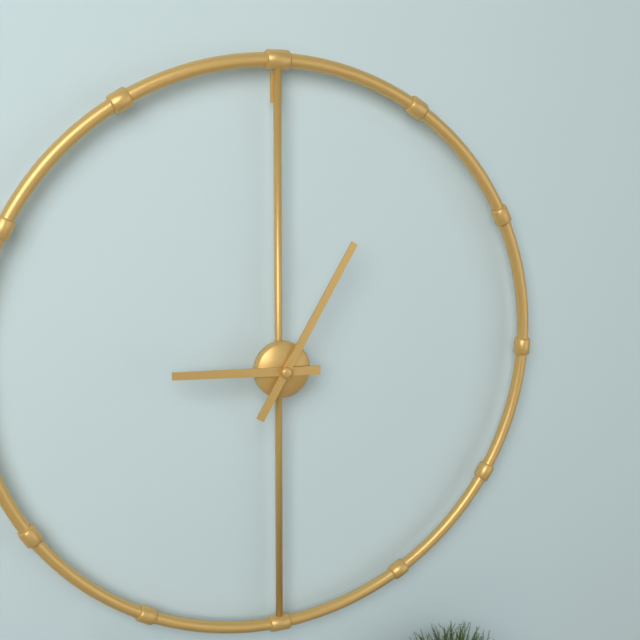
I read 9.05
